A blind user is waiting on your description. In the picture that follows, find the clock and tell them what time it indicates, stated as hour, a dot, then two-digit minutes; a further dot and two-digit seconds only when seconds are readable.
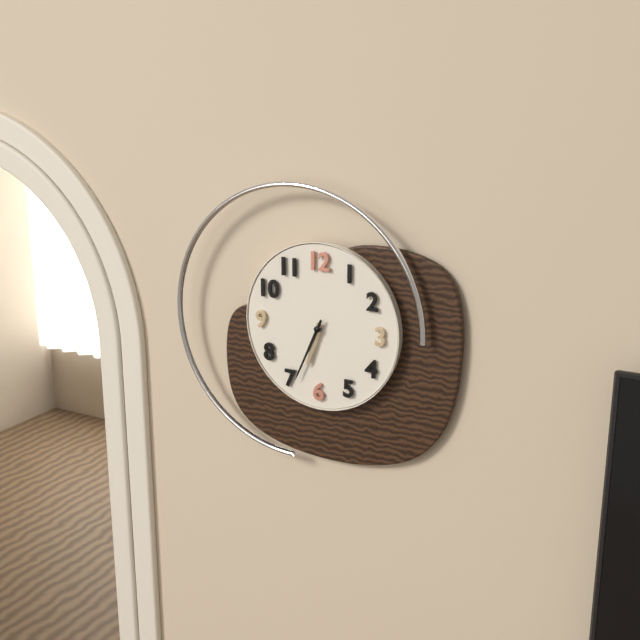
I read 6.34
